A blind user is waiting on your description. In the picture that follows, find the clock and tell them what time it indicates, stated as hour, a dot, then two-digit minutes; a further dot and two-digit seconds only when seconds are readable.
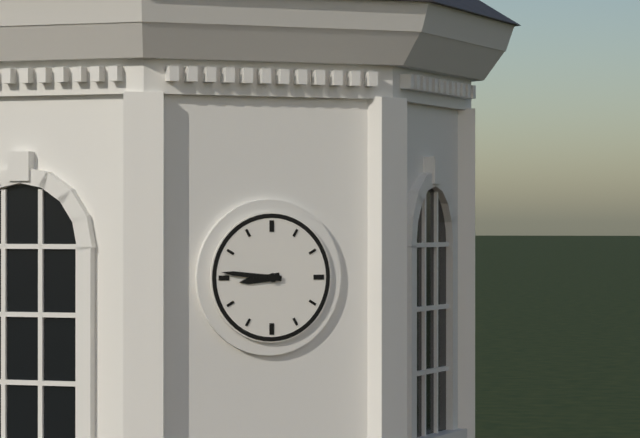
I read 8.46
